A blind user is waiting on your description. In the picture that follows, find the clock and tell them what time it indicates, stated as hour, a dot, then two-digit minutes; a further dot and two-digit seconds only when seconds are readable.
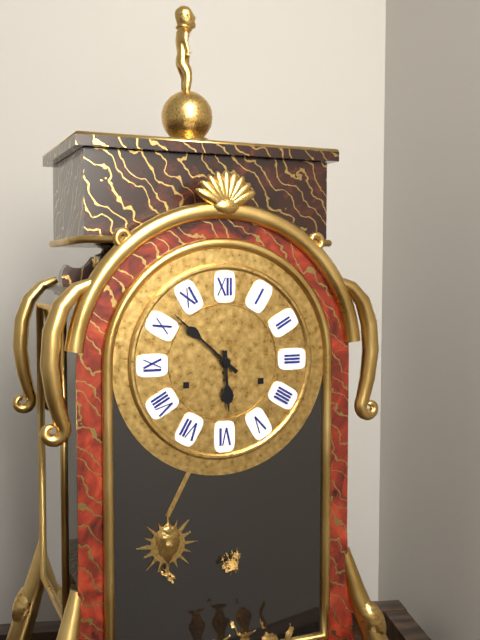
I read 5.52
